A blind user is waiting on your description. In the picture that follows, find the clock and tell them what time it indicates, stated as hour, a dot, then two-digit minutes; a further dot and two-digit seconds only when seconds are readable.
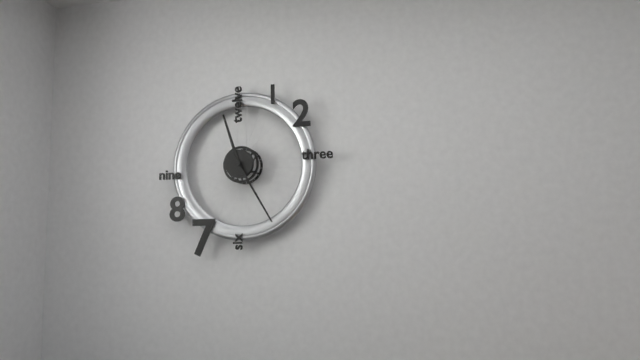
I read 11.25
